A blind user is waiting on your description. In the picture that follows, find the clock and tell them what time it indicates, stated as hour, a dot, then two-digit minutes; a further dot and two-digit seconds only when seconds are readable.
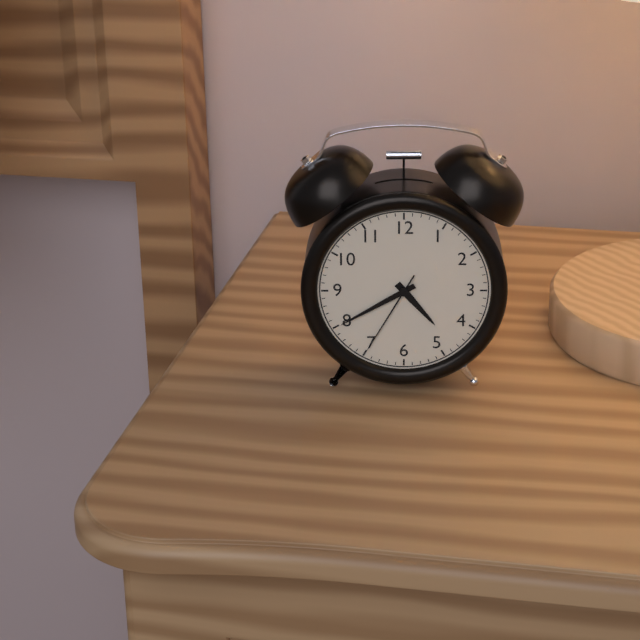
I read 4.40.35
